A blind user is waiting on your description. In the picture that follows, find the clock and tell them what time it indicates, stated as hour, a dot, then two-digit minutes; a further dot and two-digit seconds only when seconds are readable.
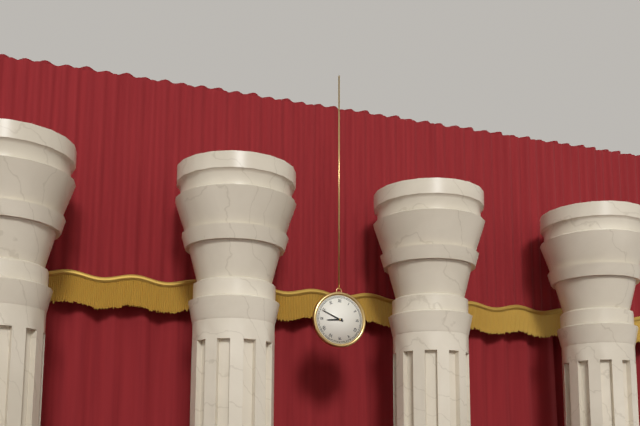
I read 8.49
